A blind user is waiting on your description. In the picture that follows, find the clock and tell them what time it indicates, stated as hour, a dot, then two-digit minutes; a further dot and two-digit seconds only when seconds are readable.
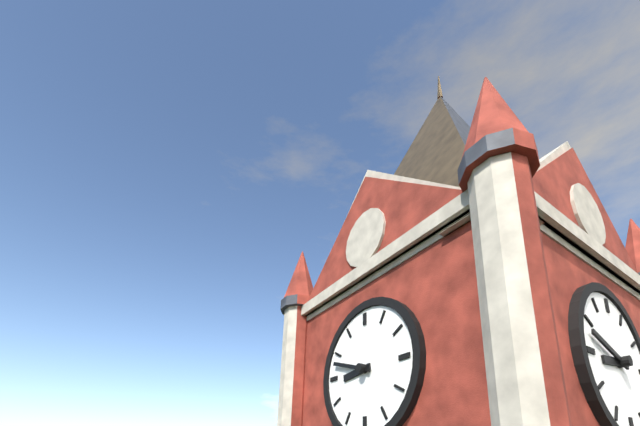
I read 8.48
